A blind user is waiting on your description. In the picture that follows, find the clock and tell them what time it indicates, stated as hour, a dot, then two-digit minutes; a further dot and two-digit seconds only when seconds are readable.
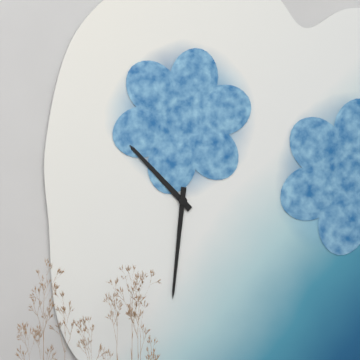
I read 10.31
